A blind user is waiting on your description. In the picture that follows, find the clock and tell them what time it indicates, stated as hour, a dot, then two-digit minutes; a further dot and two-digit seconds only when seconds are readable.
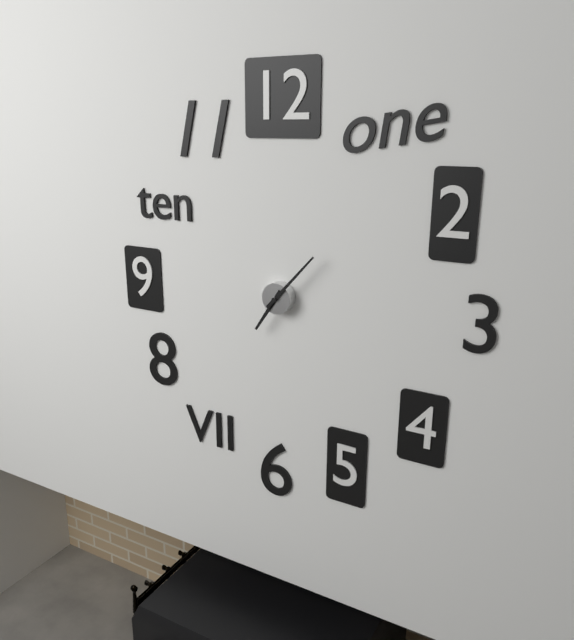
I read 7.07
